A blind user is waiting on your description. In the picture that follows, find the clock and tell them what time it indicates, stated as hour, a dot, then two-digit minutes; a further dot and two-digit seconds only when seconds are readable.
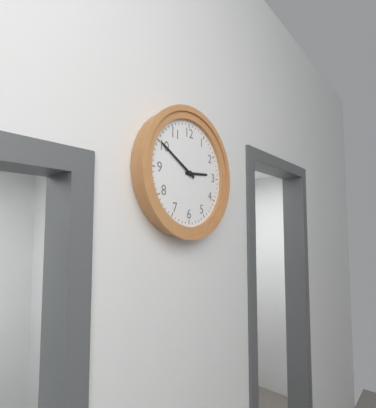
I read 2.50
